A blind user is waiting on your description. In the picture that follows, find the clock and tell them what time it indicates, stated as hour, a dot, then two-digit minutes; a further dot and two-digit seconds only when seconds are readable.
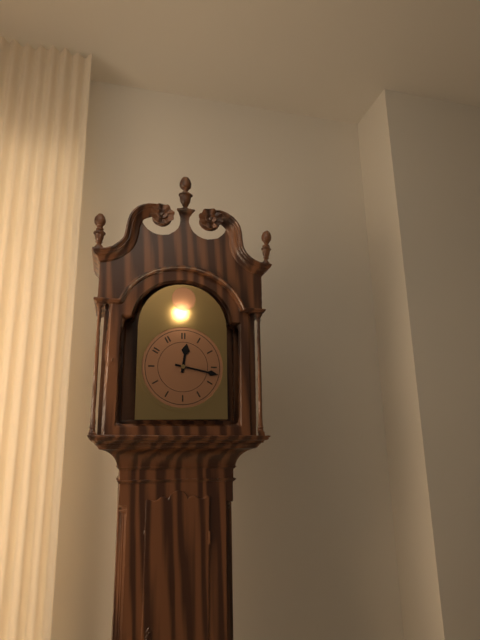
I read 12.17
